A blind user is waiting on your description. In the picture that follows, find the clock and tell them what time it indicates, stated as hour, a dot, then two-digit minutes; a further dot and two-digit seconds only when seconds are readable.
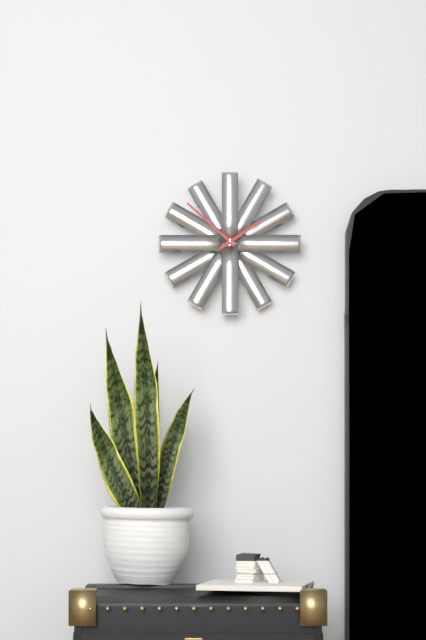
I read 1.52
